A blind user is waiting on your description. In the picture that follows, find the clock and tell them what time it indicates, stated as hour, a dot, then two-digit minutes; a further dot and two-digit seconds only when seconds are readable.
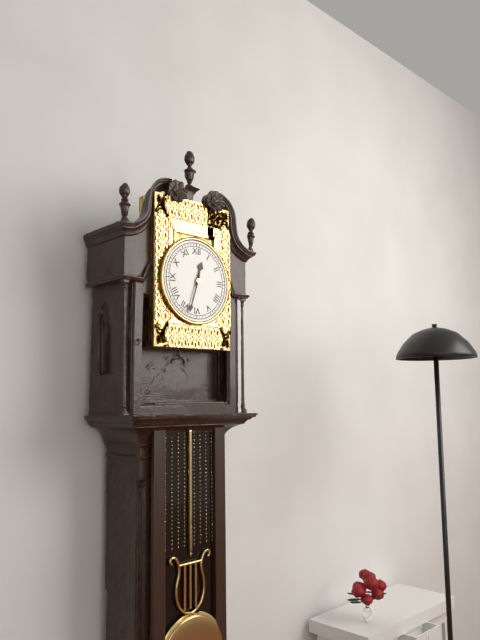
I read 12.33
